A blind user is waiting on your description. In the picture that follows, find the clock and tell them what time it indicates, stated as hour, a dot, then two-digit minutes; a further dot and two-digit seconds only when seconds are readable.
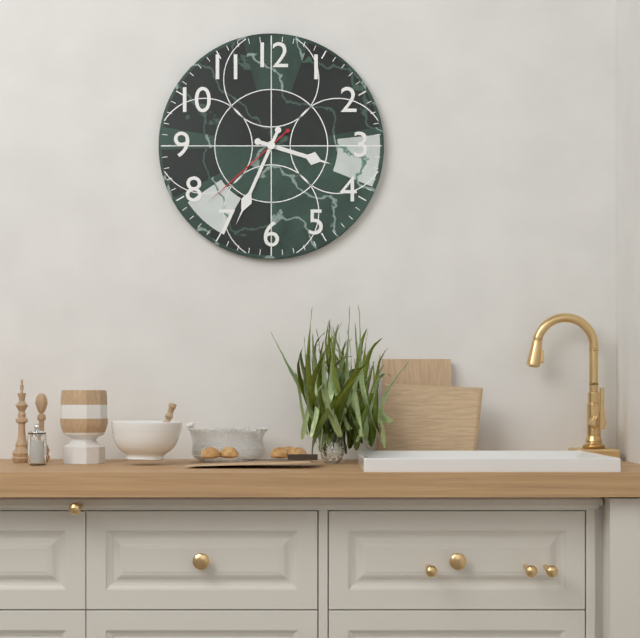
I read 3.34.38
